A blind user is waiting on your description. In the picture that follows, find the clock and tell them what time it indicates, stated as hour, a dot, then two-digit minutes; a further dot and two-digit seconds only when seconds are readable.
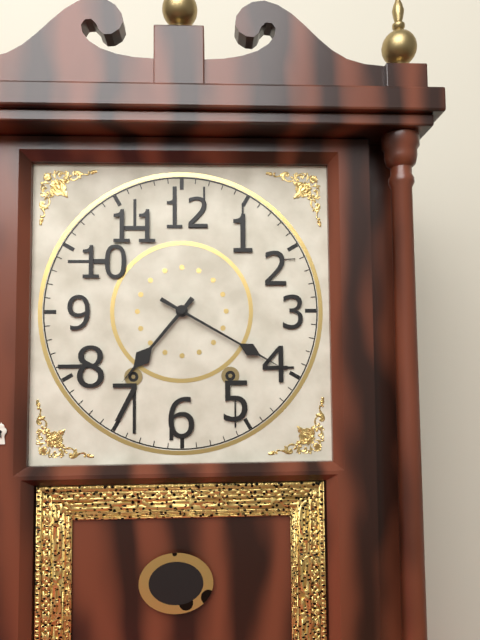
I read 7.20
